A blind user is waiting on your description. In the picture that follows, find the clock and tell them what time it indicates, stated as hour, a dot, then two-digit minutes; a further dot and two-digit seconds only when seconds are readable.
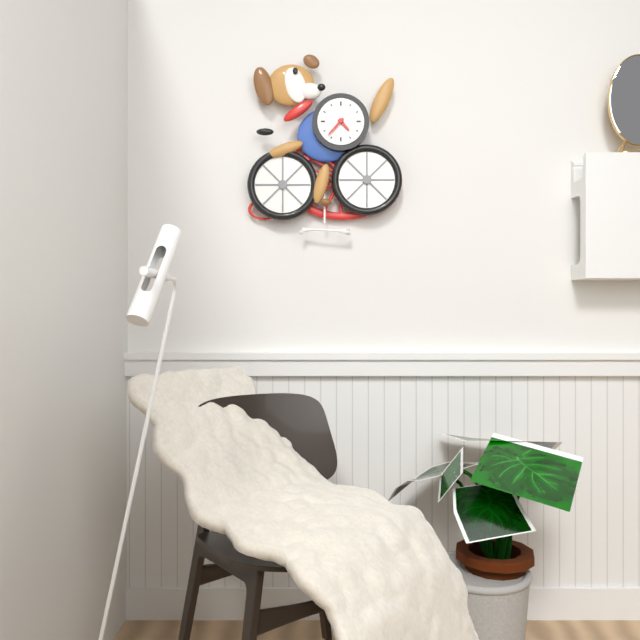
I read 4.37
